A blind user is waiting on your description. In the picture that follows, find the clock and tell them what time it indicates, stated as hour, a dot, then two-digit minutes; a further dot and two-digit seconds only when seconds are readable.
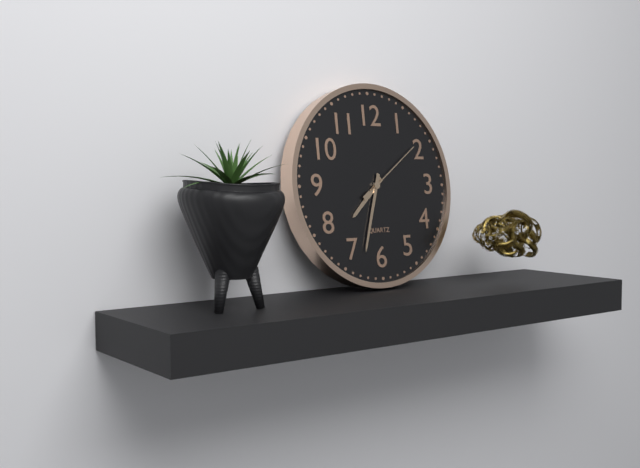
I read 7.33.09
